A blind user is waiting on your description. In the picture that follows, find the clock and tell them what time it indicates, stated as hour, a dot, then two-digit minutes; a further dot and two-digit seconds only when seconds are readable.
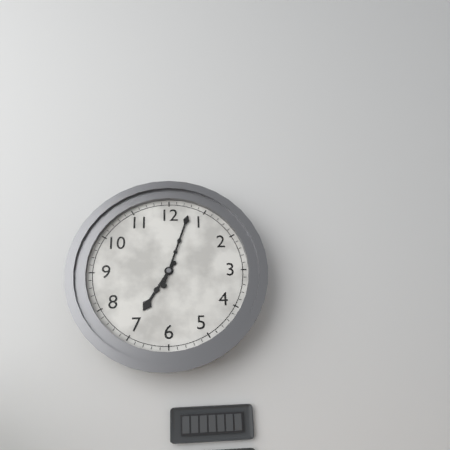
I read 7.03
